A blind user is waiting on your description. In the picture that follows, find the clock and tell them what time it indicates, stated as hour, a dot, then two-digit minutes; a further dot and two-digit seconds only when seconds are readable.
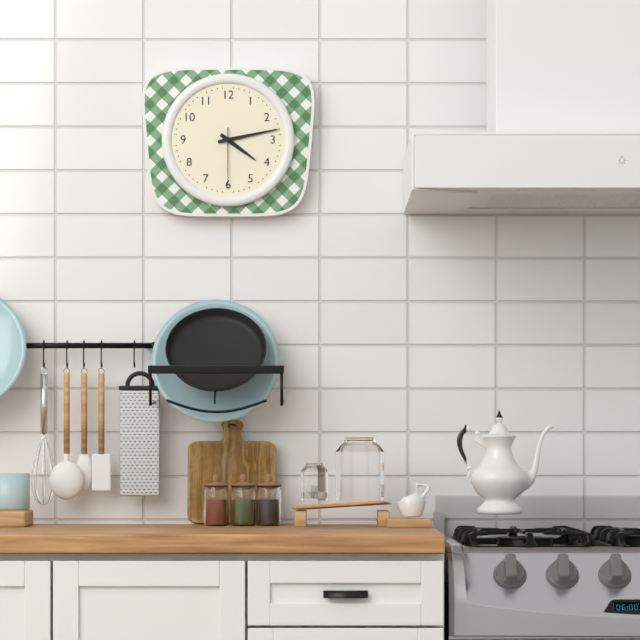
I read 4.13.30
